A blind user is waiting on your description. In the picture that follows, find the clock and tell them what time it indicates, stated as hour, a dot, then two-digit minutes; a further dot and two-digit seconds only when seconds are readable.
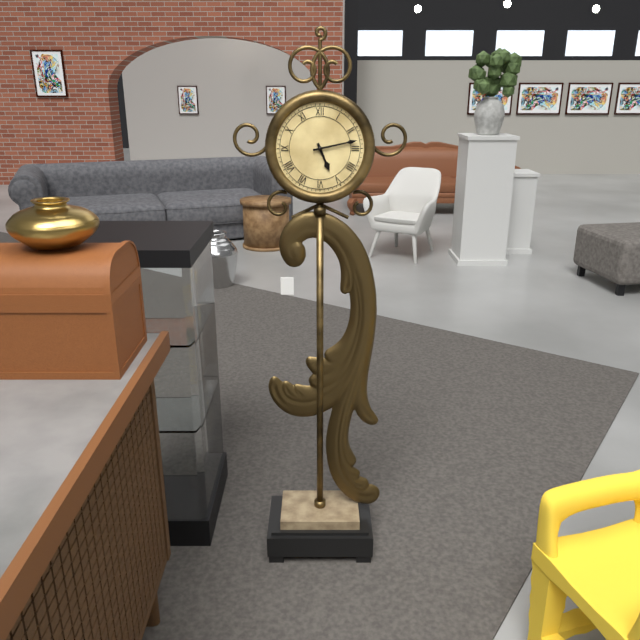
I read 5.13
